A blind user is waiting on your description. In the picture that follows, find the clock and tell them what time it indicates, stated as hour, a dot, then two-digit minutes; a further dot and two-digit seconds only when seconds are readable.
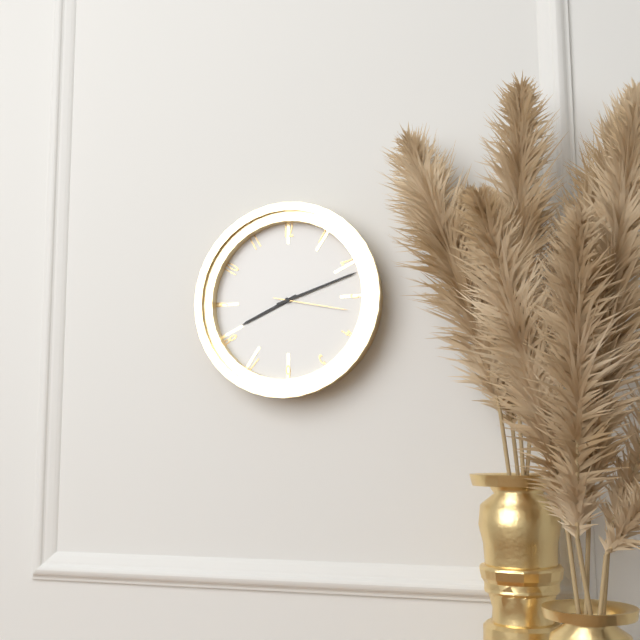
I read 8.12.17
